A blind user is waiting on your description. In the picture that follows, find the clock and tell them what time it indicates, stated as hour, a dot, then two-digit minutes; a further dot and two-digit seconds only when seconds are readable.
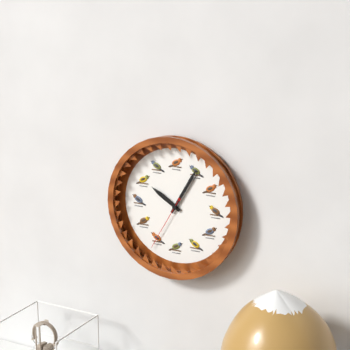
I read 10.05.35
